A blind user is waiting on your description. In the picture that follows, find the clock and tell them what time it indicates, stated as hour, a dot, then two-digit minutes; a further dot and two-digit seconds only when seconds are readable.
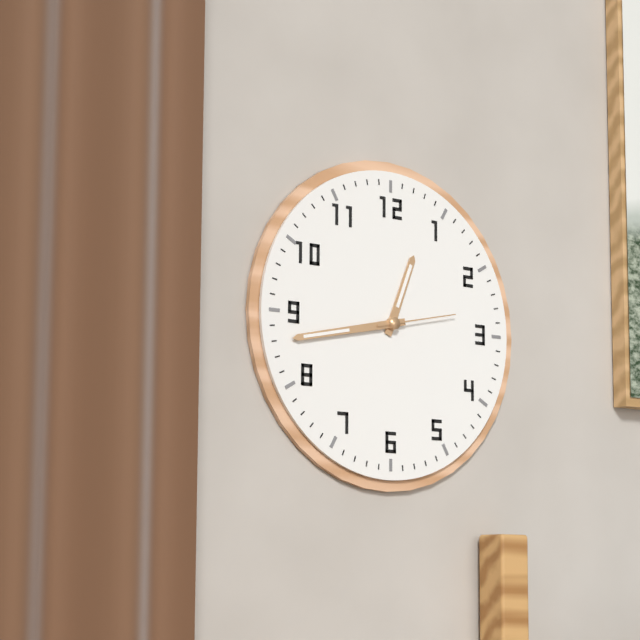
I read 12.43.13
